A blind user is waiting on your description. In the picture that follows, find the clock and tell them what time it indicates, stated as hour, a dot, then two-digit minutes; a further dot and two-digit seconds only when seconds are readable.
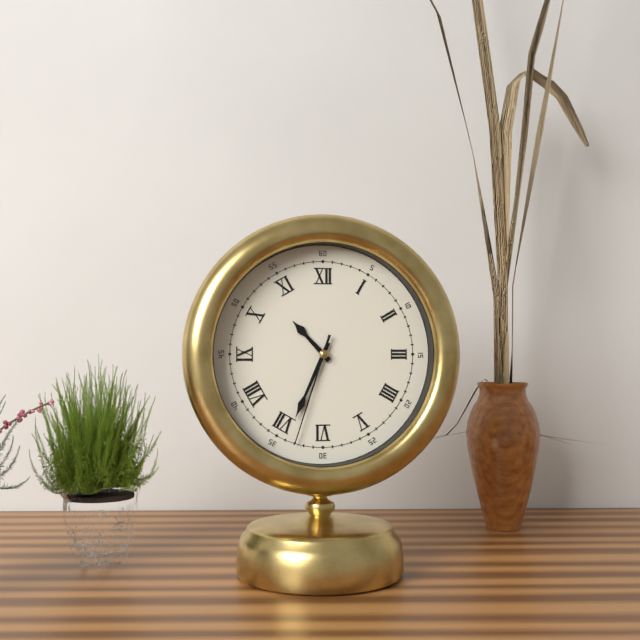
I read 10.34.33
